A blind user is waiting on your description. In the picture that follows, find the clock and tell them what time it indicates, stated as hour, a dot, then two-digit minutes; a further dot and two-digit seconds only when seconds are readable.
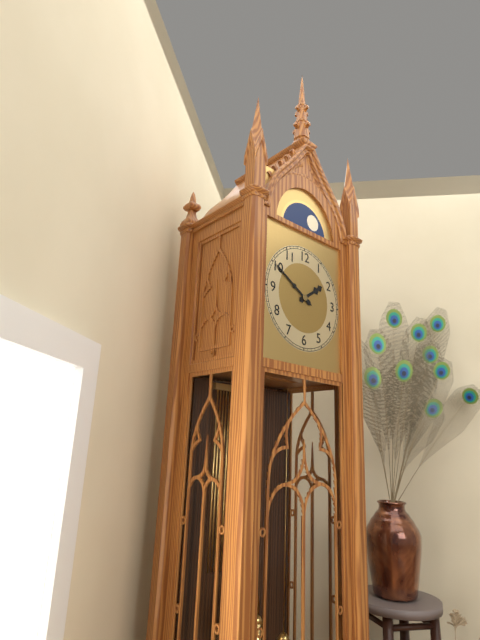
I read 1.50
